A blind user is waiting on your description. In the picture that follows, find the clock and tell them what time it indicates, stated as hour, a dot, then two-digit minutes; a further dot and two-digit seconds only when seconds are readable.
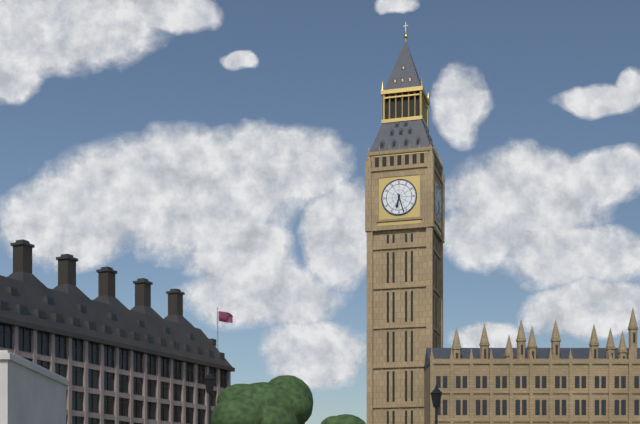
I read 6.27
